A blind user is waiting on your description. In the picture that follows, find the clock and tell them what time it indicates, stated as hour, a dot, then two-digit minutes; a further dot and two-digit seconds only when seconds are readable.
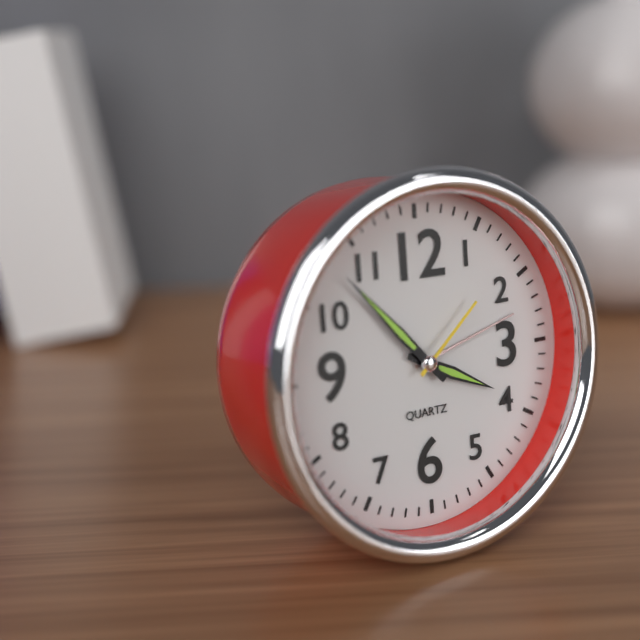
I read 3.53.08
